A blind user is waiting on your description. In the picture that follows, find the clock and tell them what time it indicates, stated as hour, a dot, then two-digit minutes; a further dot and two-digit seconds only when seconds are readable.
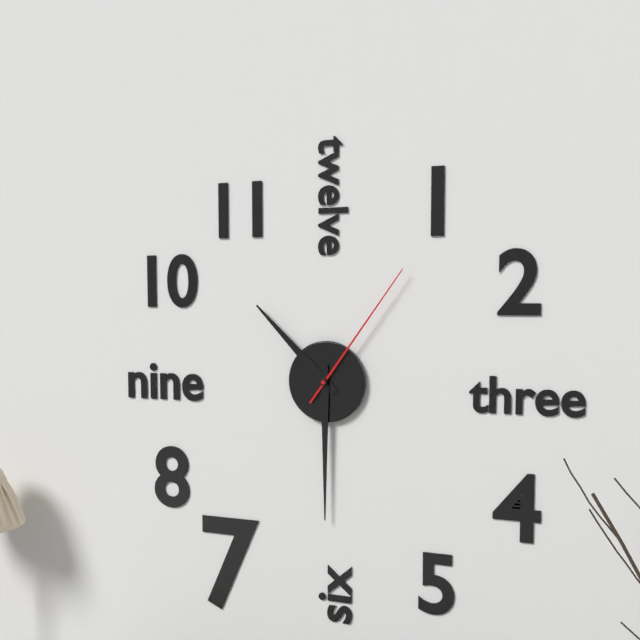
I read 10.30.06
